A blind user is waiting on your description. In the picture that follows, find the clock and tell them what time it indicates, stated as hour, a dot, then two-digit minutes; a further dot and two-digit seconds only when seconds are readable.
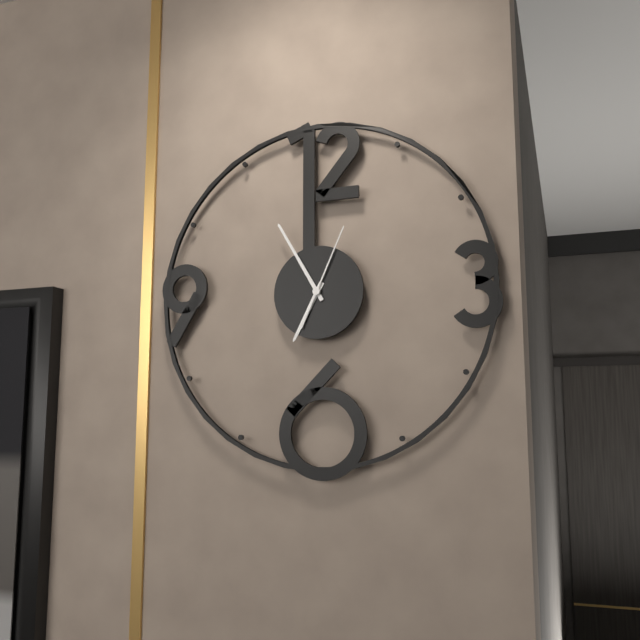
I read 6.55.04
